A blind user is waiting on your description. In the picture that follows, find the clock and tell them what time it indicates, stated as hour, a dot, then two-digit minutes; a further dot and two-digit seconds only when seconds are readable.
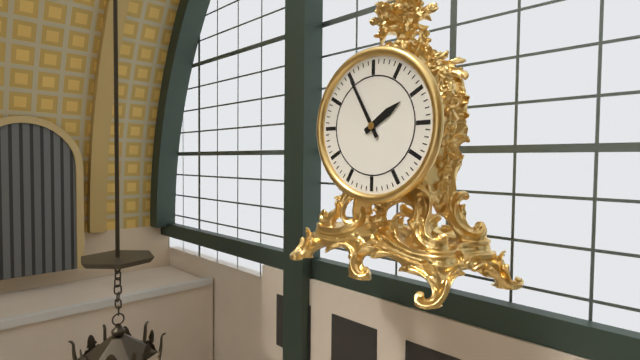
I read 1.55
